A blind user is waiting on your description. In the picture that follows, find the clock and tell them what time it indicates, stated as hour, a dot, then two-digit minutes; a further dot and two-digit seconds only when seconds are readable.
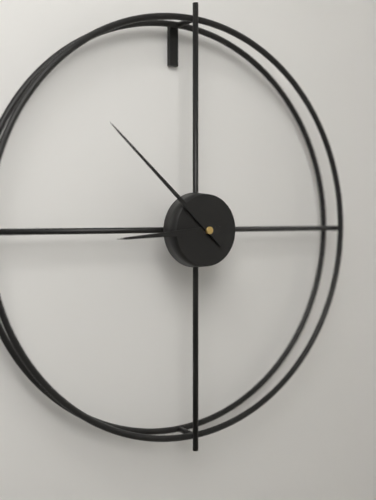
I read 8.52
